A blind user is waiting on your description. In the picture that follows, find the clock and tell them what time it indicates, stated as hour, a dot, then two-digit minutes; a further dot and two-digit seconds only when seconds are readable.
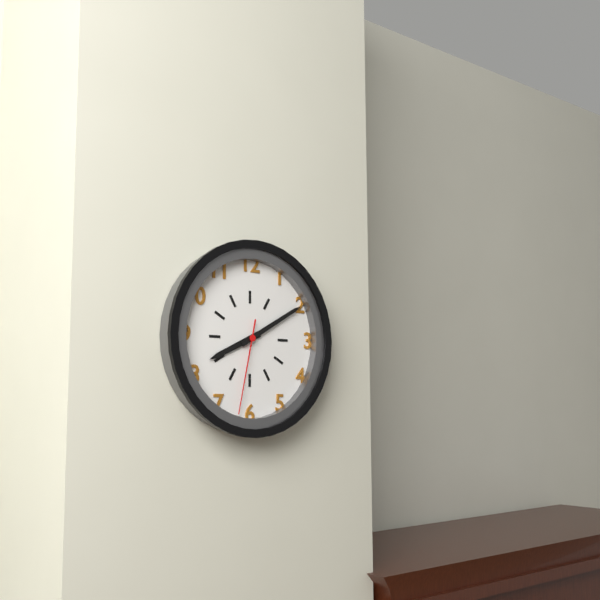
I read 8.10.32
